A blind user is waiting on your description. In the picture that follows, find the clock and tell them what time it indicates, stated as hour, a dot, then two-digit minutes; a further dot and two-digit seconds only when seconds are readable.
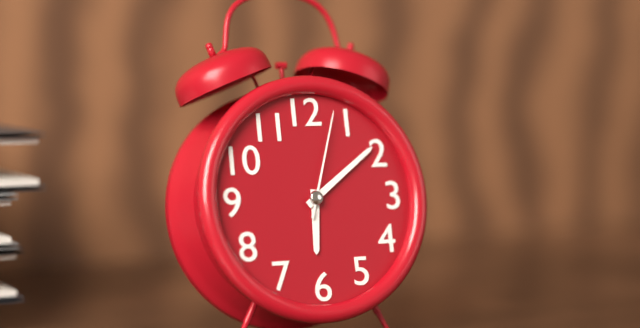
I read 6.09.03
